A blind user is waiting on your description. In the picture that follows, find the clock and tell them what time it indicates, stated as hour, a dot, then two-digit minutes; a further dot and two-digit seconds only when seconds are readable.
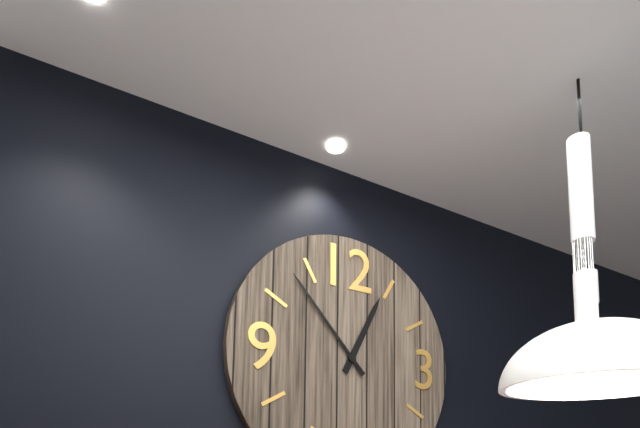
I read 12.53
